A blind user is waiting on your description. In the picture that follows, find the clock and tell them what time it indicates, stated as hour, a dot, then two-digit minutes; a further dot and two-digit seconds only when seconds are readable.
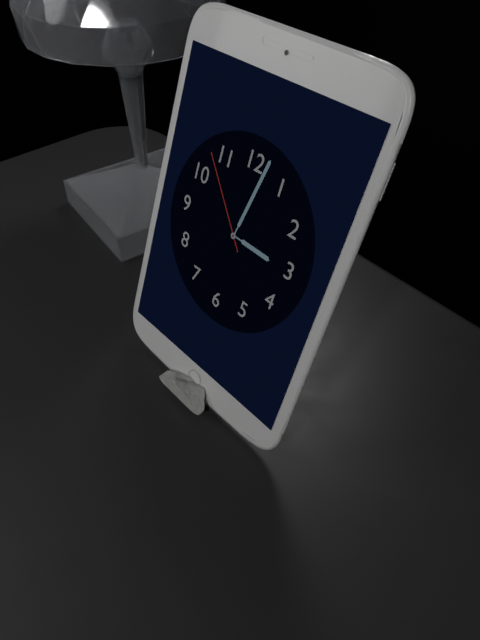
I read 3.02.53
